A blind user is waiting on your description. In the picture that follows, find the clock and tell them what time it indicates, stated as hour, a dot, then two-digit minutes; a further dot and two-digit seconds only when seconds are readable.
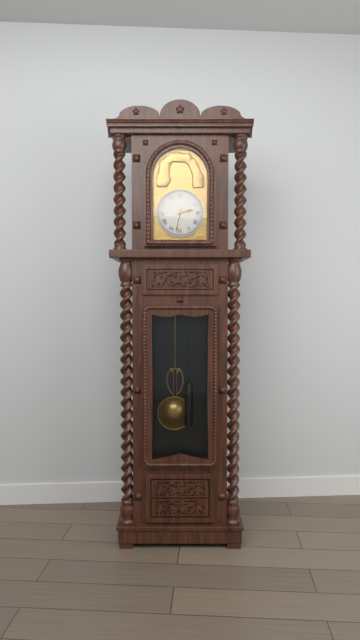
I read 2.32
